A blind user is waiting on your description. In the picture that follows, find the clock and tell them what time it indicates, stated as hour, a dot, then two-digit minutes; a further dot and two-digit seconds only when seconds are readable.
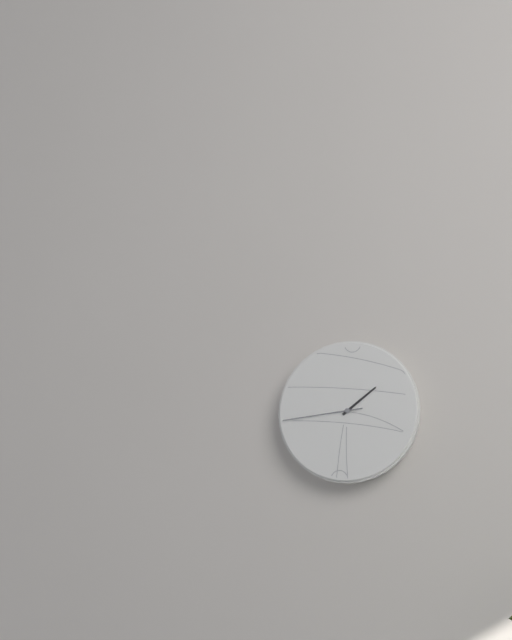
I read 1.44
